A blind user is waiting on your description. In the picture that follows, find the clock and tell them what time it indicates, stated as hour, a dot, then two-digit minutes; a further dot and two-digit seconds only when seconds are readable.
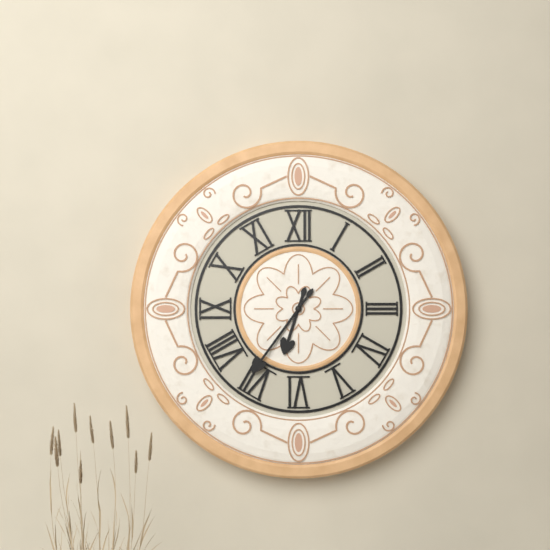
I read 6.36
